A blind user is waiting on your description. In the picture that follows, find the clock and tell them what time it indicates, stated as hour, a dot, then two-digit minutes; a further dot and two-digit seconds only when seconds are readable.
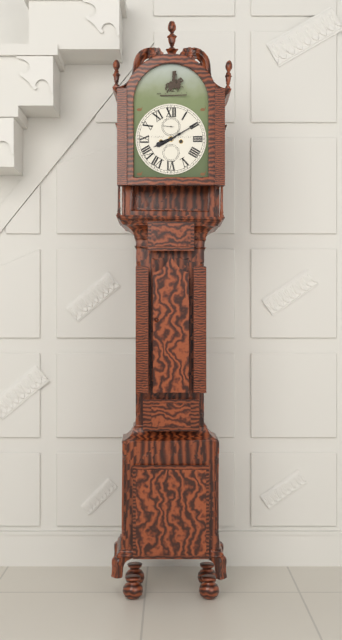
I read 8.10
